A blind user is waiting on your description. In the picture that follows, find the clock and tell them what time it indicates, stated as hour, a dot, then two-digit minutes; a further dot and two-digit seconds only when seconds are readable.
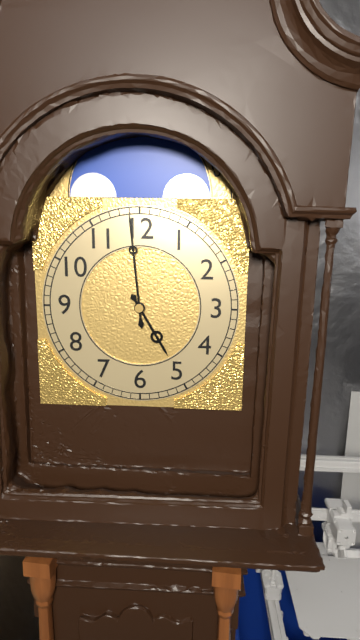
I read 4.59
